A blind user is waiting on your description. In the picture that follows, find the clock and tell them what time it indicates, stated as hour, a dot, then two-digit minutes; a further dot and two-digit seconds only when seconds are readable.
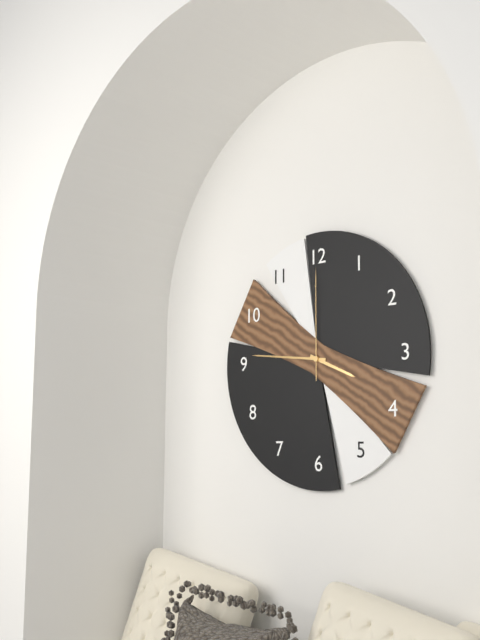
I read 3.46.00
